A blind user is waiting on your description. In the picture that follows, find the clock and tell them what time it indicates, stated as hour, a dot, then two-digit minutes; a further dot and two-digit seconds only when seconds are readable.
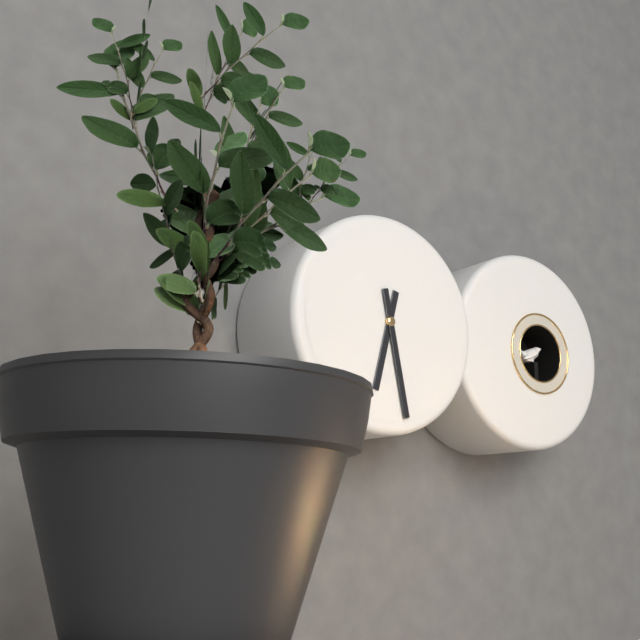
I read 6.28
